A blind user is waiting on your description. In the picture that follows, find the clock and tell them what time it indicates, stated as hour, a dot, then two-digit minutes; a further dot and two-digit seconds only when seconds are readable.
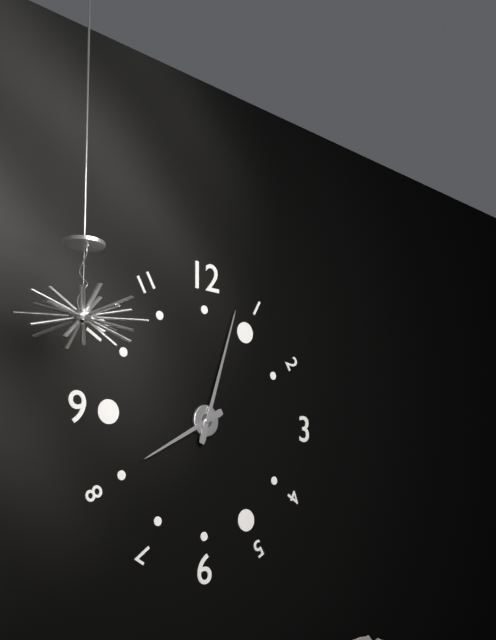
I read 8.03
